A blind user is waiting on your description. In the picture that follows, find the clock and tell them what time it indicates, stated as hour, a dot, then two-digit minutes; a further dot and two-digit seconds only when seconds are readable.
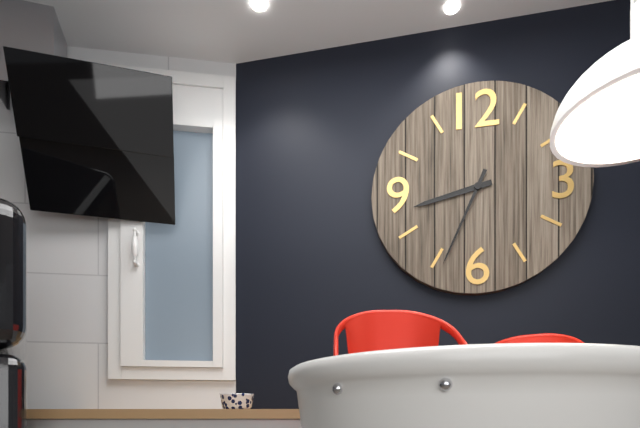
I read 8.34
